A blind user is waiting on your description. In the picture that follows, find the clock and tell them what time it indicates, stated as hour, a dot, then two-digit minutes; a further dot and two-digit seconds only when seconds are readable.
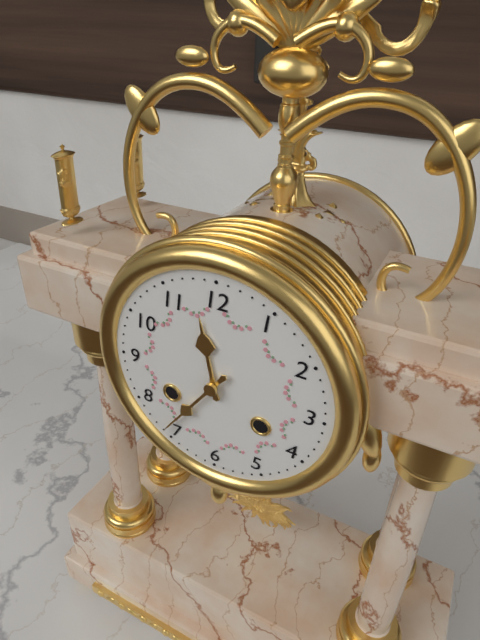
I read 11.36
